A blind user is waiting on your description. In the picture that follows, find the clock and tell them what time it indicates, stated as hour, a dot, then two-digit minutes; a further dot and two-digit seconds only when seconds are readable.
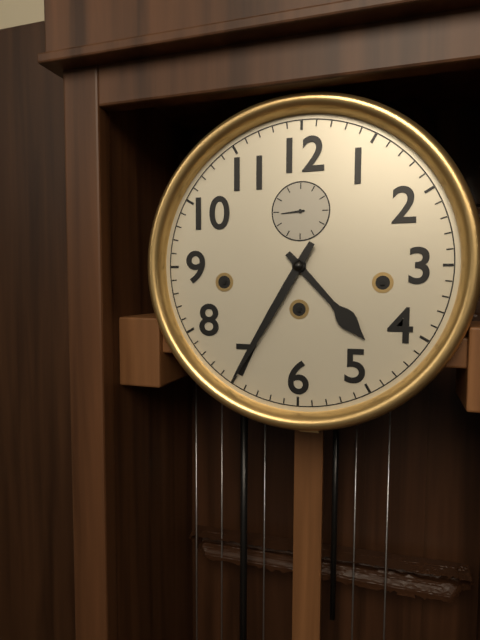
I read 4.35
